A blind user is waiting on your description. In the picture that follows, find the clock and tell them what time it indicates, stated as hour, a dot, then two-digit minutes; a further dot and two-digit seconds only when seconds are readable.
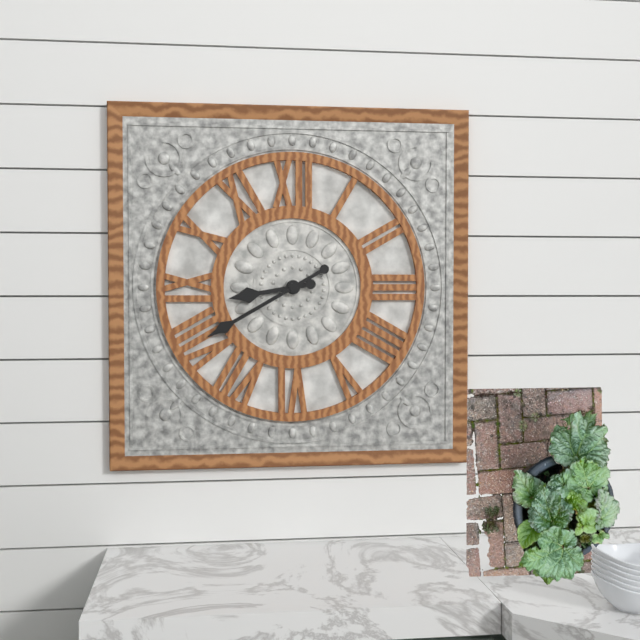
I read 8.40
